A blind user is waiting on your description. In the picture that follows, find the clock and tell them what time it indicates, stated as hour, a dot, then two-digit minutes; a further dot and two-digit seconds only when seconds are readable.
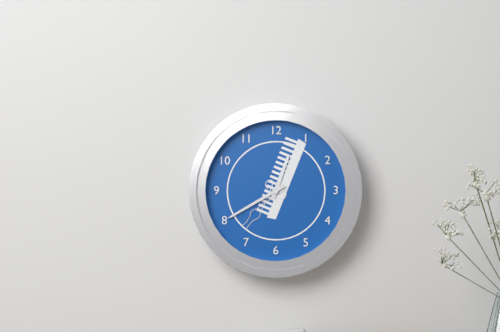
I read 12.40
